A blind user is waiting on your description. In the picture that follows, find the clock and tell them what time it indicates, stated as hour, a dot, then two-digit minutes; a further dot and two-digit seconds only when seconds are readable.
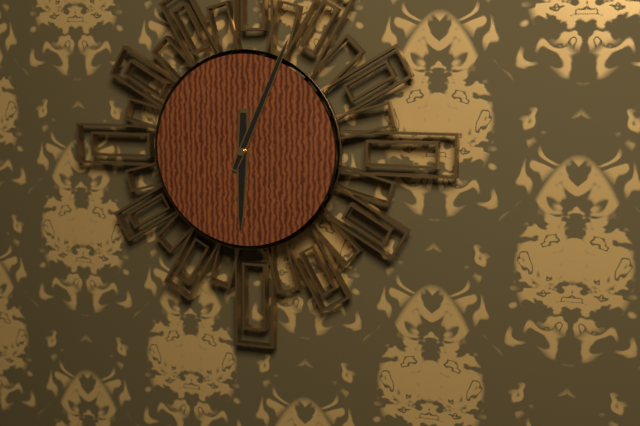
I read 6.04
